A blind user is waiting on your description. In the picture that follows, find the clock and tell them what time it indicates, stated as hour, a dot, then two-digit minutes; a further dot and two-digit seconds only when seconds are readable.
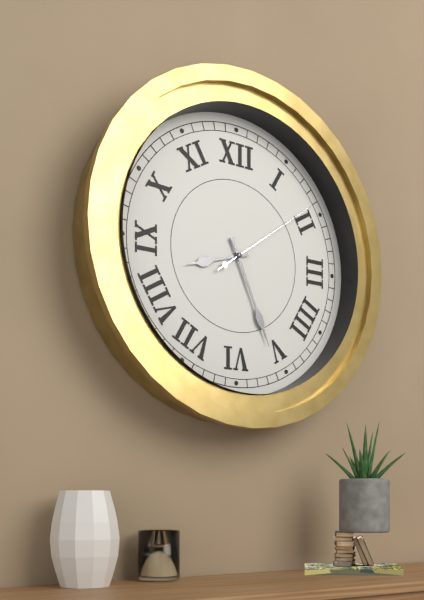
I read 8.26.09
